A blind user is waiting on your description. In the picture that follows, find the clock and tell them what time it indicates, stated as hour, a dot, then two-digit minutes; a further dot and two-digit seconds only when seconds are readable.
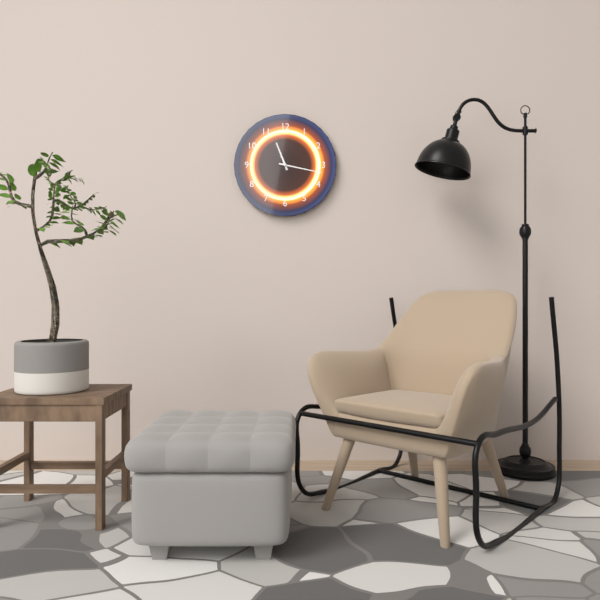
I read 11.17
